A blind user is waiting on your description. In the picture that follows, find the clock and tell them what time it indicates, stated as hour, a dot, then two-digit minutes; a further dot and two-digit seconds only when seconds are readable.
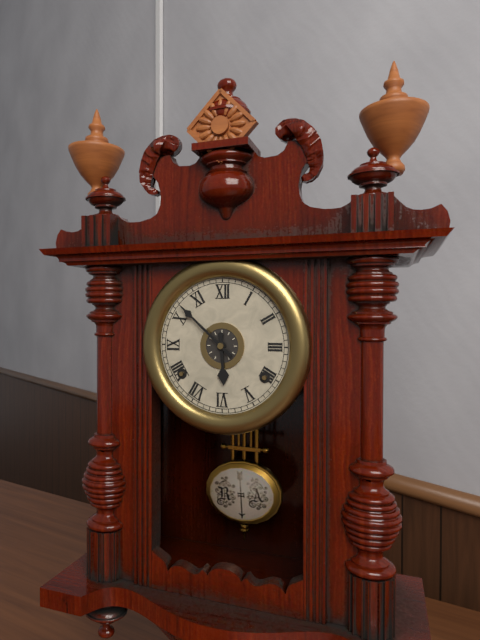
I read 5.52
